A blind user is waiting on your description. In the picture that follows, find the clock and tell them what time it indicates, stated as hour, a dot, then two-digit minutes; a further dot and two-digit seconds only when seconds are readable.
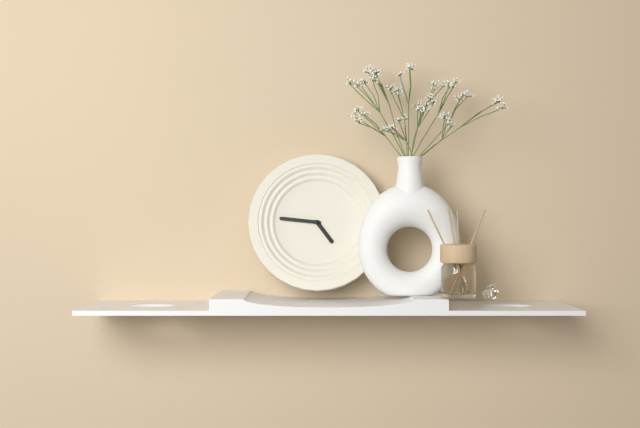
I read 4.46
